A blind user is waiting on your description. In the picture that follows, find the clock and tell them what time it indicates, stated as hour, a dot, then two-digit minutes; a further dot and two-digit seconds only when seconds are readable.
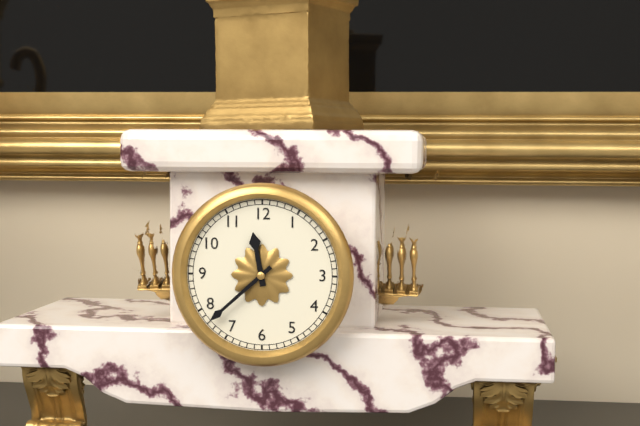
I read 11.38
